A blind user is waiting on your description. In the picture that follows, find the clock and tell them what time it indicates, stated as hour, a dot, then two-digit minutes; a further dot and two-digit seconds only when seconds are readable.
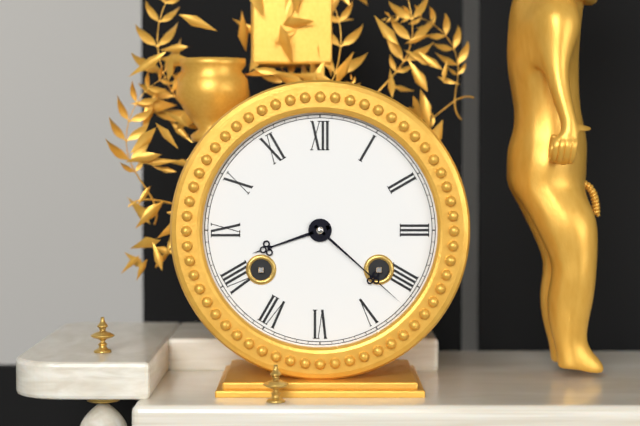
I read 8.22
